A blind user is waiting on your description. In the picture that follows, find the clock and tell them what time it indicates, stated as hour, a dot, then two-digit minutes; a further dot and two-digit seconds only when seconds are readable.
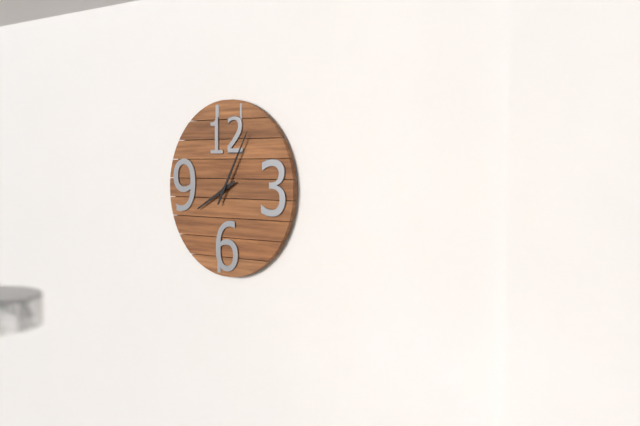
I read 8.05
